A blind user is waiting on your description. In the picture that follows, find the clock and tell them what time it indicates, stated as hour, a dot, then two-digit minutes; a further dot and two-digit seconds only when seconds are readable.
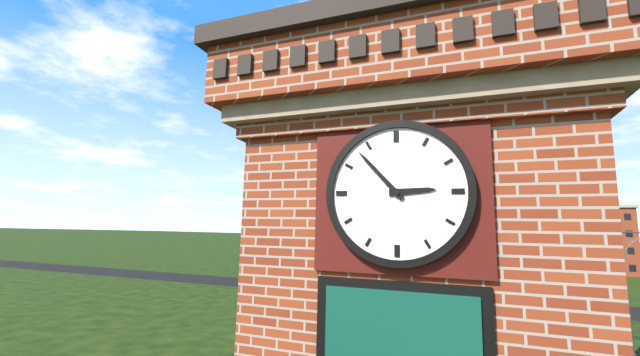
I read 2.53
